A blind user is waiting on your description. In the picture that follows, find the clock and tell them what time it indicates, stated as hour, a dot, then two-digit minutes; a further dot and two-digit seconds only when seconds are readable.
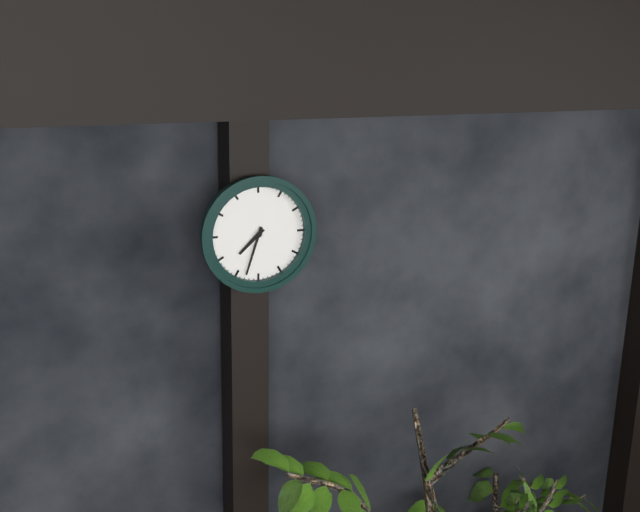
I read 7.33
